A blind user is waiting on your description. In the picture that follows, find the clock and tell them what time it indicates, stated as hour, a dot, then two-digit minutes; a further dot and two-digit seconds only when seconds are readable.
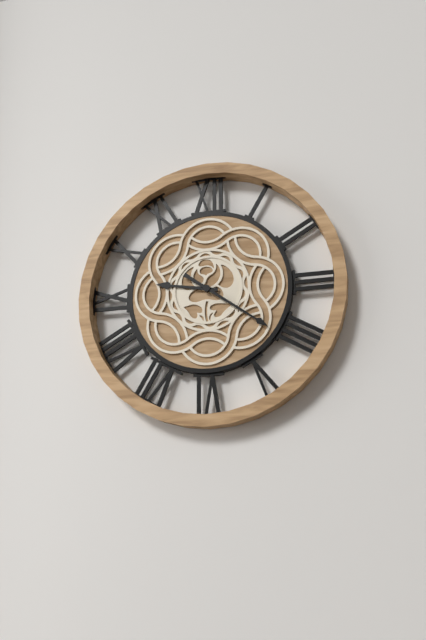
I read 9.21
